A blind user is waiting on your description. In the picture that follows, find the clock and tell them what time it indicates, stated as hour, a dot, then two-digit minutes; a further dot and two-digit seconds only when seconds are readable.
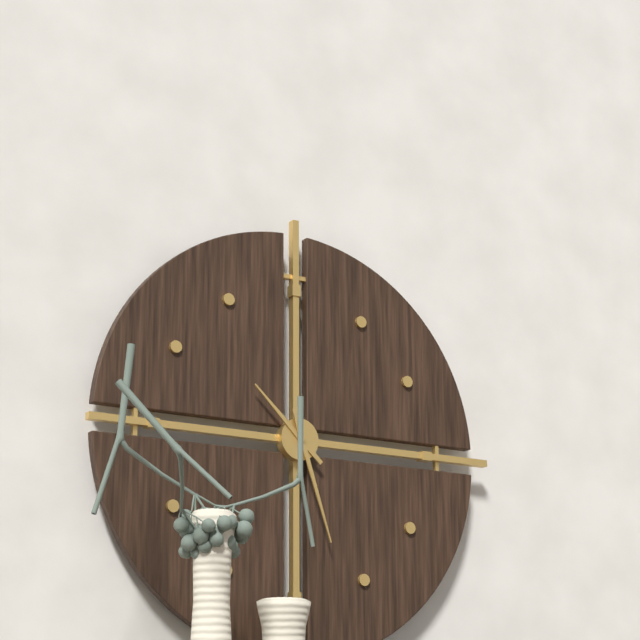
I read 10.27
